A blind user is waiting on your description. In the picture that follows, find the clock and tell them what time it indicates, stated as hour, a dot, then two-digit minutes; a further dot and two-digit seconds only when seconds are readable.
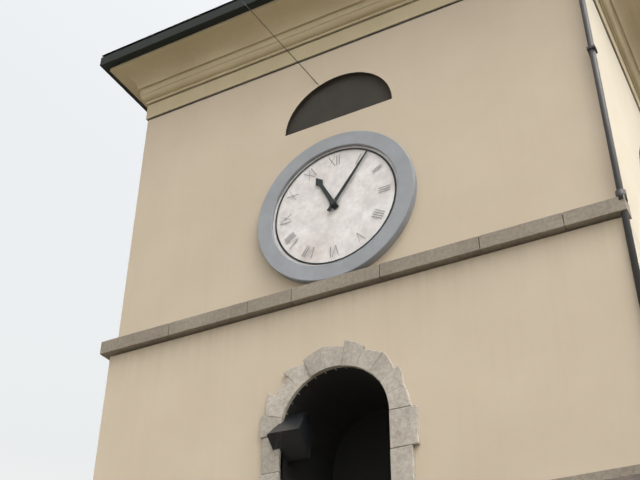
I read 11.06
